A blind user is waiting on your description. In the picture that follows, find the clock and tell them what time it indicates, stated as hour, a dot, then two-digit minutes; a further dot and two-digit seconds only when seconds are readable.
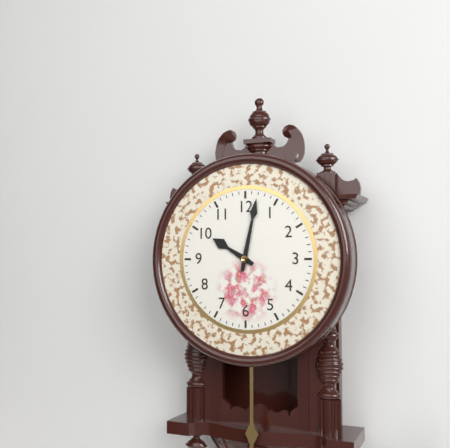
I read 10.02
